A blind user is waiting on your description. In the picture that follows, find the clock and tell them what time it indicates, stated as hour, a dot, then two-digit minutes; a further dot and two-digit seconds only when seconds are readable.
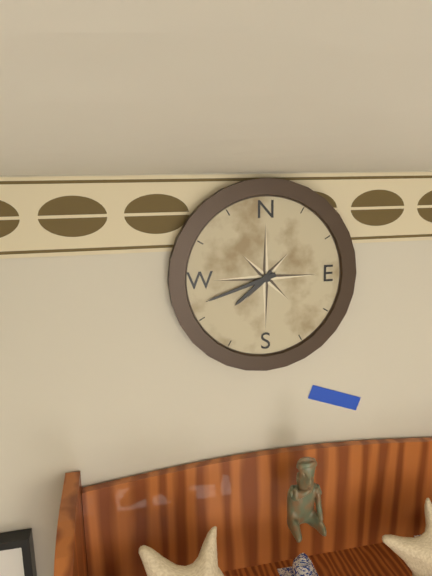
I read 7.42
